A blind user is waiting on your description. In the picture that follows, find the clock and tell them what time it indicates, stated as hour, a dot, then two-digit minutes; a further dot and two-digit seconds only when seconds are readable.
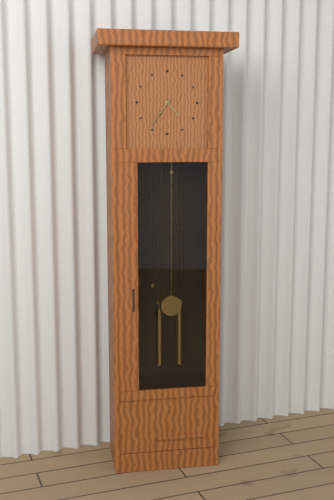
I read 4.36
